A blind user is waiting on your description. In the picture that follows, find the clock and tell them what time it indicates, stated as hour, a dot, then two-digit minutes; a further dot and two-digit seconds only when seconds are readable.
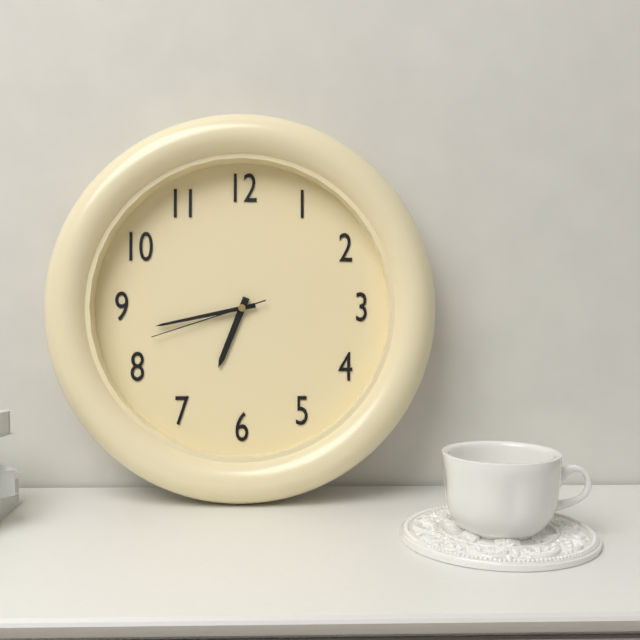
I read 6.43.42
